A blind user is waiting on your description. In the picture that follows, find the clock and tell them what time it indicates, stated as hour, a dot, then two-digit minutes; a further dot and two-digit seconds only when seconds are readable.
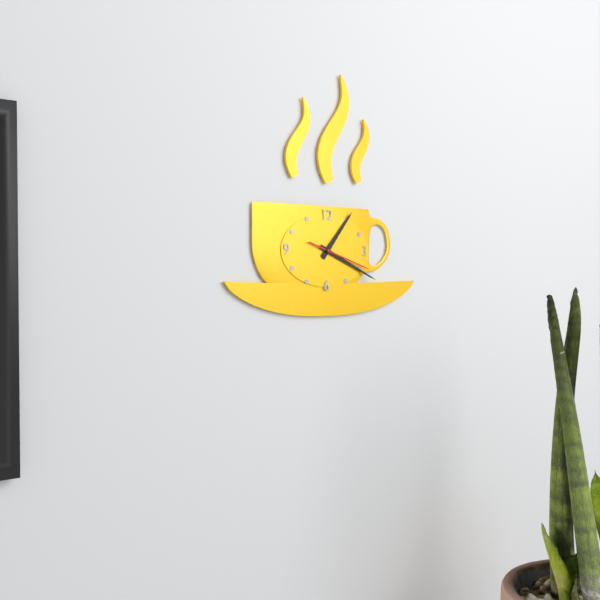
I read 1.19.18
